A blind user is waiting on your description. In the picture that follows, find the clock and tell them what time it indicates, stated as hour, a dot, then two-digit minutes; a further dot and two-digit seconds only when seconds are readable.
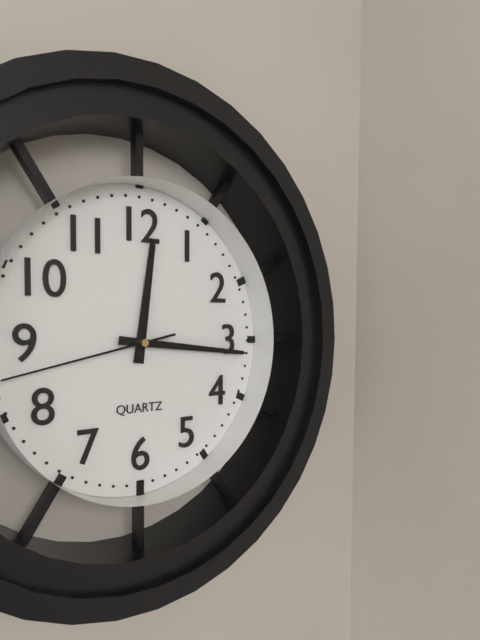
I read 12.16
